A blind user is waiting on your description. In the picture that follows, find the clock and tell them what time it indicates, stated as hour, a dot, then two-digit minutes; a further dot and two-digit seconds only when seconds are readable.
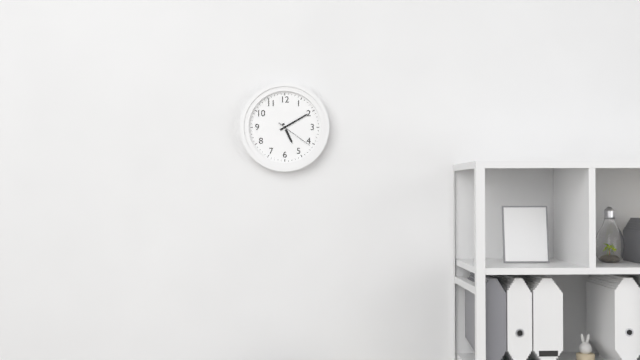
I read 5.10
